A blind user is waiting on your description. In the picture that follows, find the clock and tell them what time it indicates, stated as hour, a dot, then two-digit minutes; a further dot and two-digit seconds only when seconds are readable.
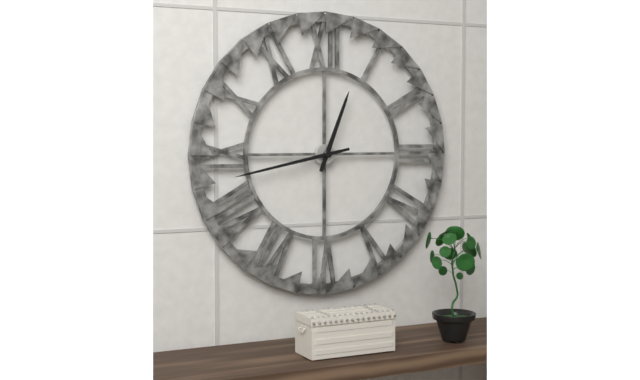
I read 12.43
